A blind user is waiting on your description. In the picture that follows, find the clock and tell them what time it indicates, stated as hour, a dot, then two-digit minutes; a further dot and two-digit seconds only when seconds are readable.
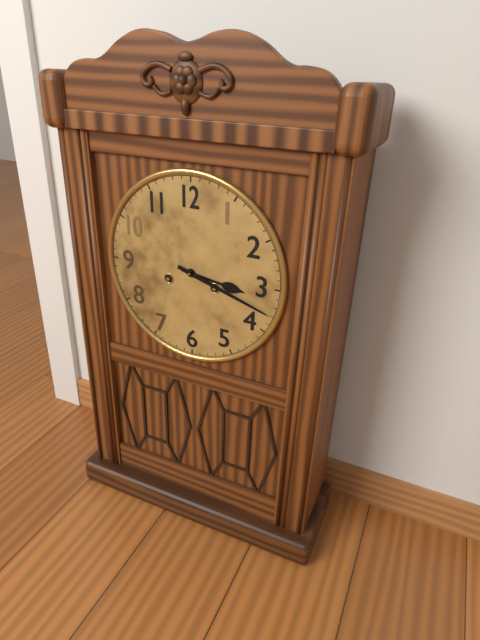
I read 3.18
